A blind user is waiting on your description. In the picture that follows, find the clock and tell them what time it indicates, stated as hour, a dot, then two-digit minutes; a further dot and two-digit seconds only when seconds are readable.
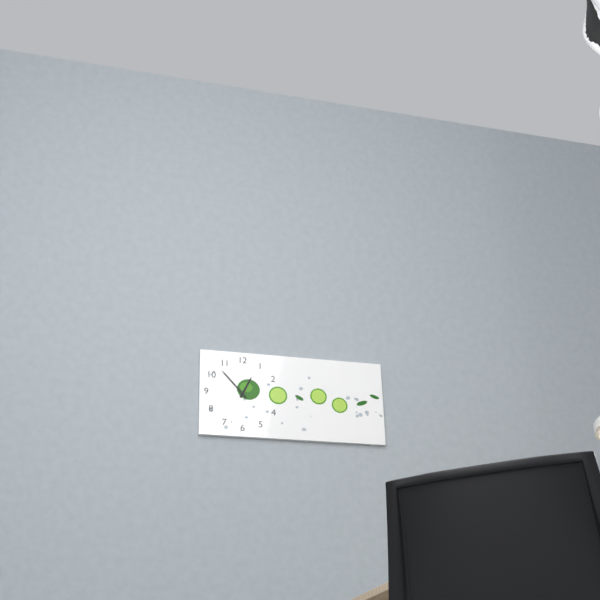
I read 12.53
